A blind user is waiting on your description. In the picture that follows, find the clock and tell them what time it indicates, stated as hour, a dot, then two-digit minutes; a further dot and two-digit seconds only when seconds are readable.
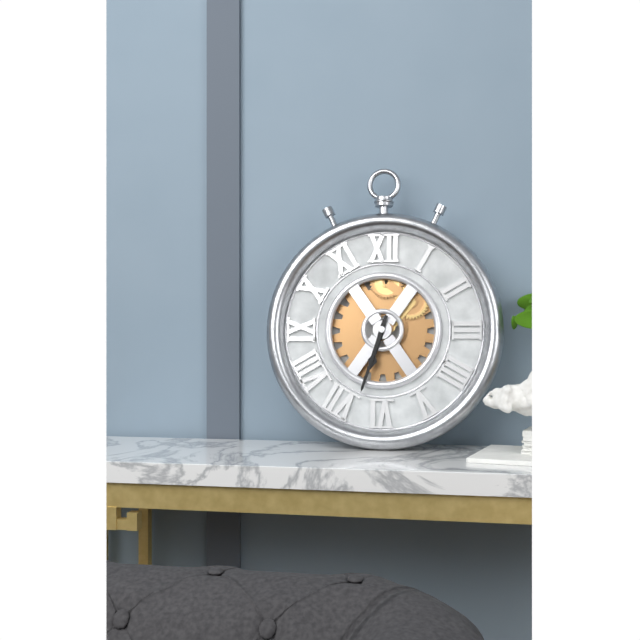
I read 6.33
